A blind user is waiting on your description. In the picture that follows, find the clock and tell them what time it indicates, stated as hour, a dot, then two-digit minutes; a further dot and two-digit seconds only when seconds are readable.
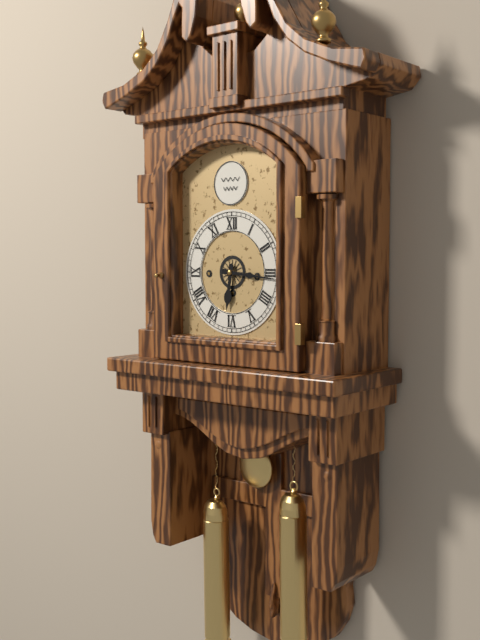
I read 6.16
